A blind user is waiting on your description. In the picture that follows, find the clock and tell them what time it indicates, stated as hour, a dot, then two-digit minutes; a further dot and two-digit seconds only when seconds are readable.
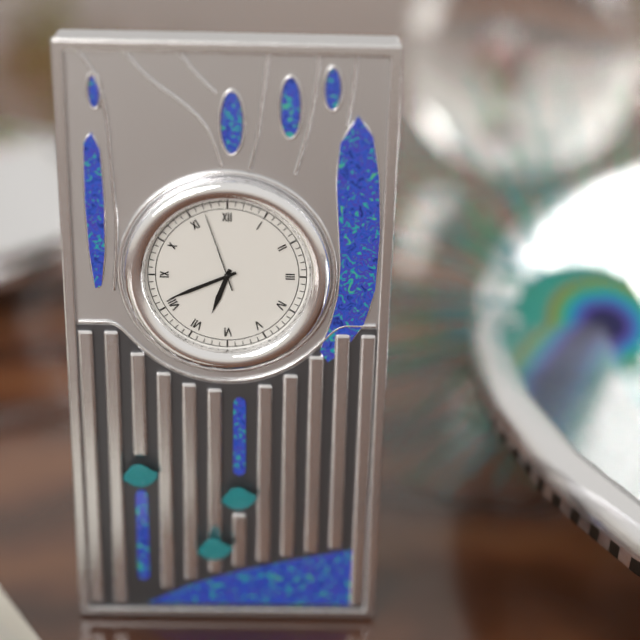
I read 6.41.57
